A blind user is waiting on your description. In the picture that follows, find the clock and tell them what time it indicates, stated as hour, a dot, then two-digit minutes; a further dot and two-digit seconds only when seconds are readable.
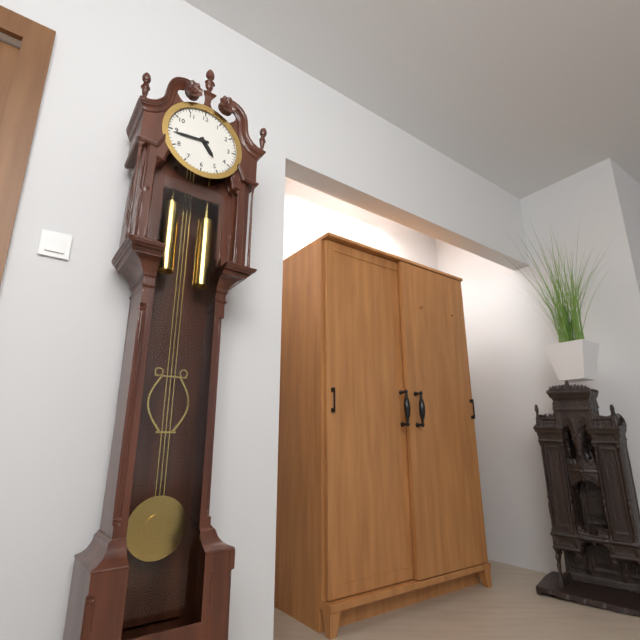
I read 4.44
